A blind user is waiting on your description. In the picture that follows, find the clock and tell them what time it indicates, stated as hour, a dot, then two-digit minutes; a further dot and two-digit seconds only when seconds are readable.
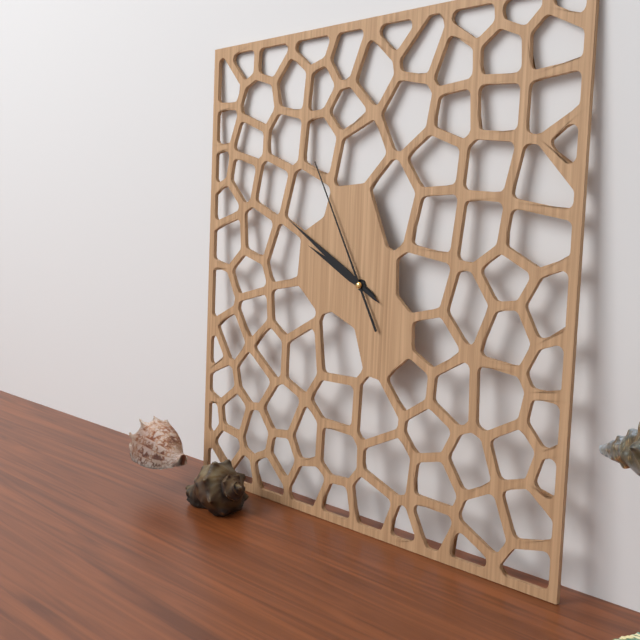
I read 9.50.55
